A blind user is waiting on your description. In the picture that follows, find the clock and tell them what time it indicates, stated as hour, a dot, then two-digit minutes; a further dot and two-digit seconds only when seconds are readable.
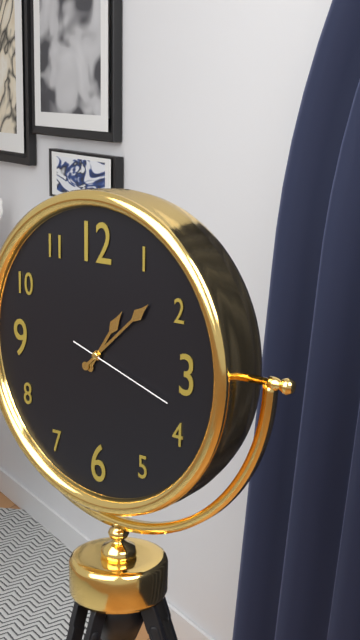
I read 1.08.18
